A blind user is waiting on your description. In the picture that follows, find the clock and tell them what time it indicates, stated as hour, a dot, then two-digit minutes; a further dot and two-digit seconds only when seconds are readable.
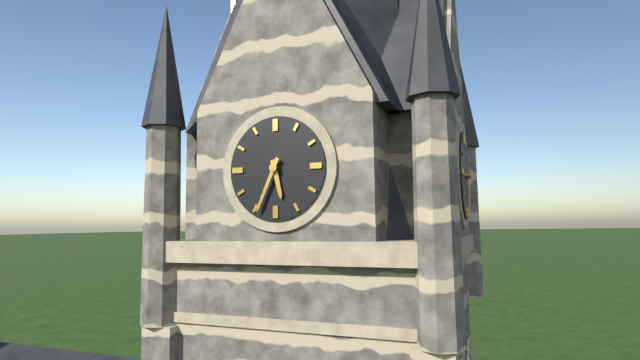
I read 5.34
